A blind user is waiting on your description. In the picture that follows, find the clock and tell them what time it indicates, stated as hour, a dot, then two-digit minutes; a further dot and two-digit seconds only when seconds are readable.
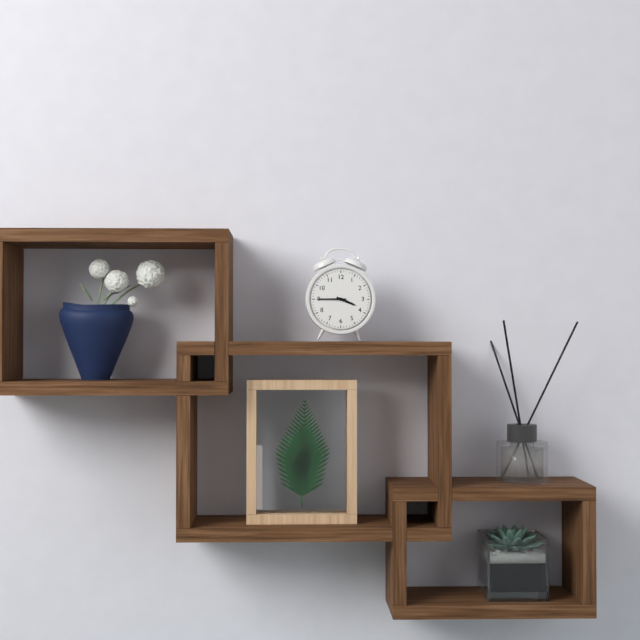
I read 3.45
